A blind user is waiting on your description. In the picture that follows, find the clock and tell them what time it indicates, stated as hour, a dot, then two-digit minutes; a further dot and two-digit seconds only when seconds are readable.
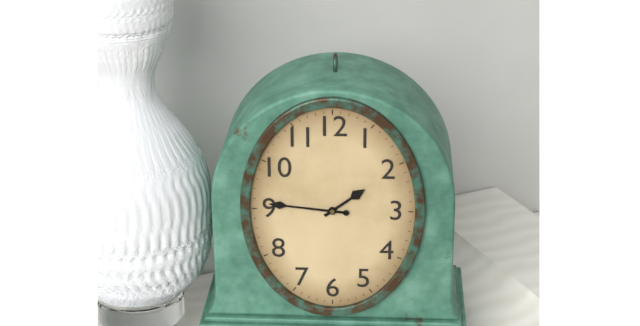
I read 1.46
